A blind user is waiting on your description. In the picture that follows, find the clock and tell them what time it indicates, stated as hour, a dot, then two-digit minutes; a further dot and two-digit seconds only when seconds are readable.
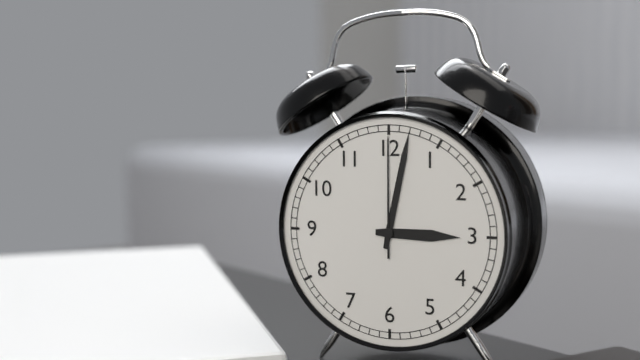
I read 3.02.00
